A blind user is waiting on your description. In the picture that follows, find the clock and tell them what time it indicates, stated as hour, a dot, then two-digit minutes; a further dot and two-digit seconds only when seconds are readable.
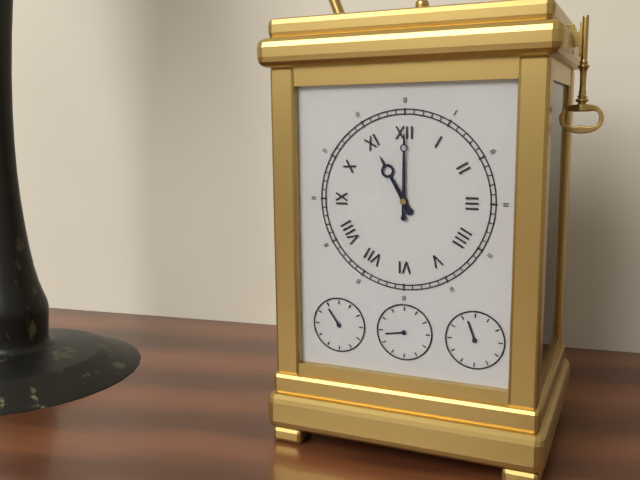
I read 11.00
